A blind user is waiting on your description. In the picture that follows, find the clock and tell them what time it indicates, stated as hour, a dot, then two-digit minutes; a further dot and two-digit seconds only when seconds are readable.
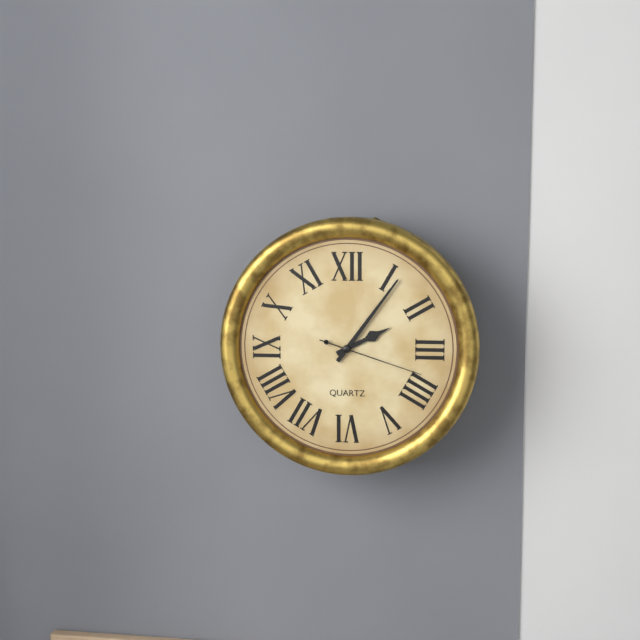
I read 2.06.18
